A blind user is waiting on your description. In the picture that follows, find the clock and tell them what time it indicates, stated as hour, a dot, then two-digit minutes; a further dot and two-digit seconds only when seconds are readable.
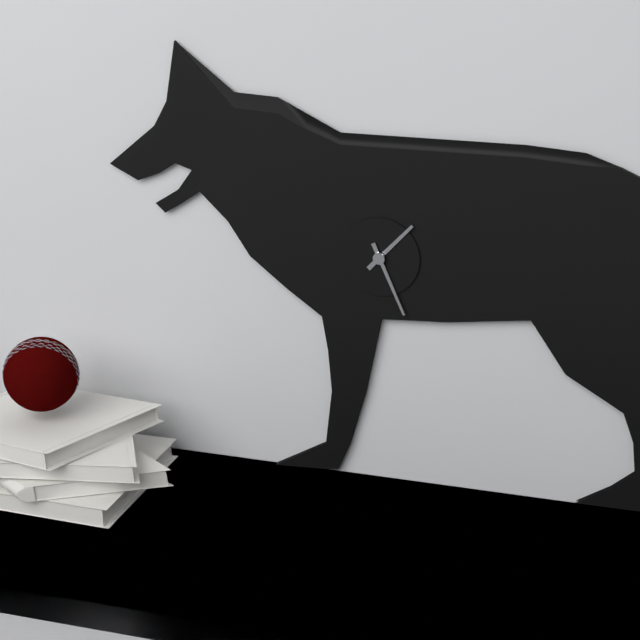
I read 1.26
